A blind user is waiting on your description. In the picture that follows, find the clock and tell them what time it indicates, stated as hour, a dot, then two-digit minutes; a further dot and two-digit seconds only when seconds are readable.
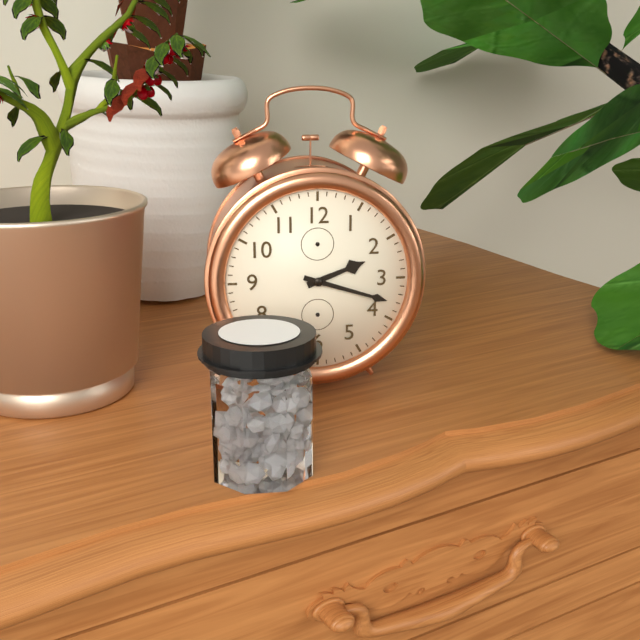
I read 2.18
